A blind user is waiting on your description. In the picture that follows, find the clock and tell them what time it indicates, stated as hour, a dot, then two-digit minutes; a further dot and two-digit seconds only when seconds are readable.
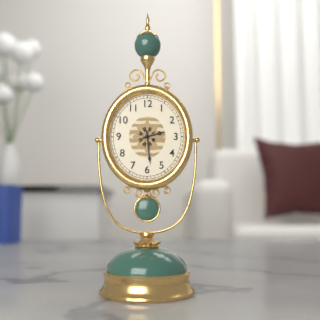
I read 2.29
